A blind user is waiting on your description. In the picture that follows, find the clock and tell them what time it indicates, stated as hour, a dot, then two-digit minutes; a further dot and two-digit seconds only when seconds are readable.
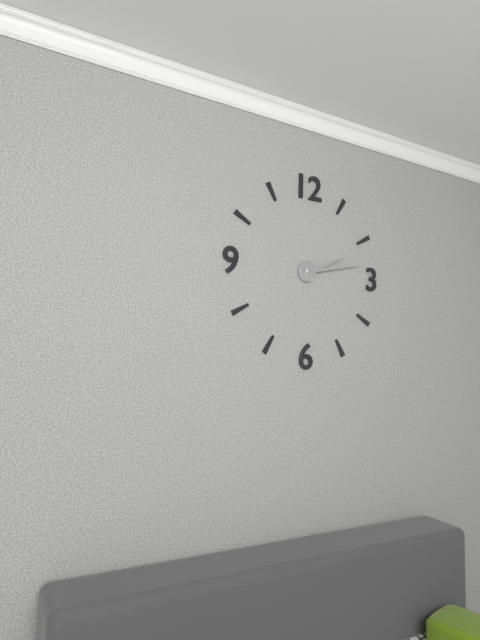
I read 2.13
